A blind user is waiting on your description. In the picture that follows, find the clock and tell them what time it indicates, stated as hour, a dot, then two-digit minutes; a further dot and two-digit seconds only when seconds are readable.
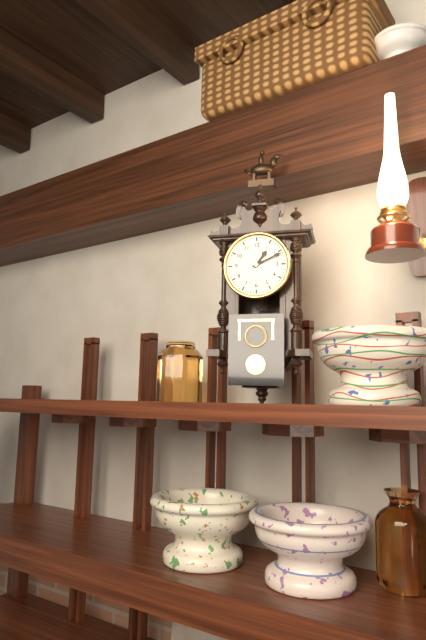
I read 1.11
